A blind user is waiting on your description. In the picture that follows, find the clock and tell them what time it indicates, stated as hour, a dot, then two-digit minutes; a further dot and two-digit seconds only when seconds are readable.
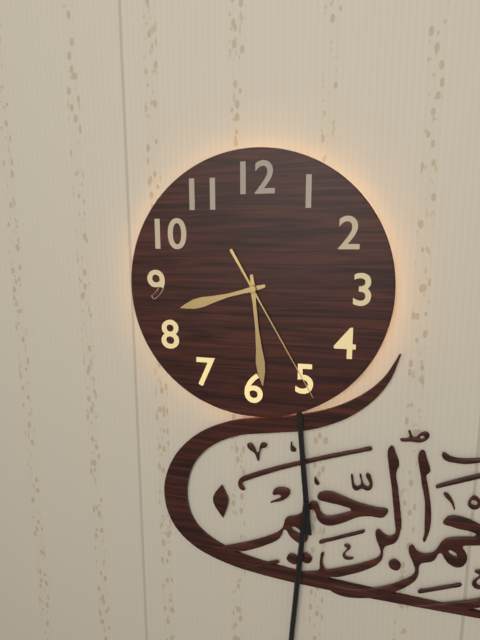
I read 8.29.25
